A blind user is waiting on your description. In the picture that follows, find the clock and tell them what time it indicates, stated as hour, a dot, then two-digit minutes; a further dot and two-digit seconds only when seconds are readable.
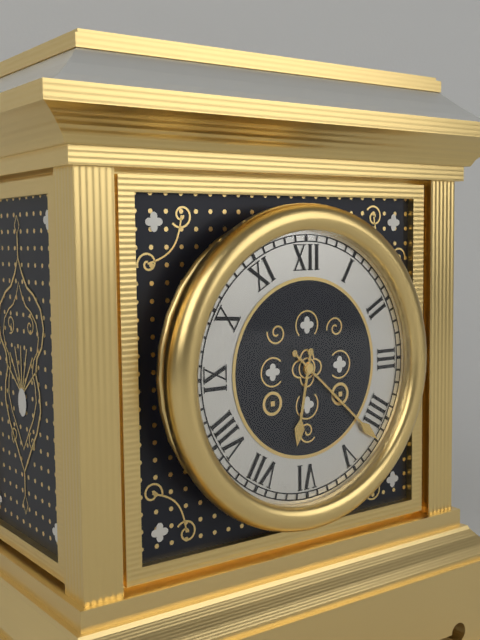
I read 6.22
